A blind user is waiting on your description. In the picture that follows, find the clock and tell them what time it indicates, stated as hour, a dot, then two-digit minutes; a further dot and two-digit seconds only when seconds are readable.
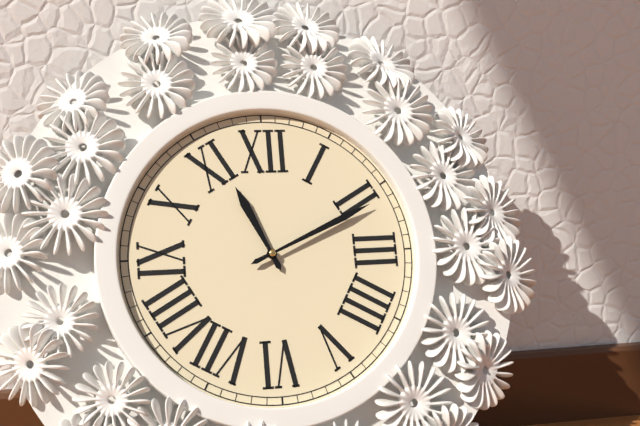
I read 11.11
